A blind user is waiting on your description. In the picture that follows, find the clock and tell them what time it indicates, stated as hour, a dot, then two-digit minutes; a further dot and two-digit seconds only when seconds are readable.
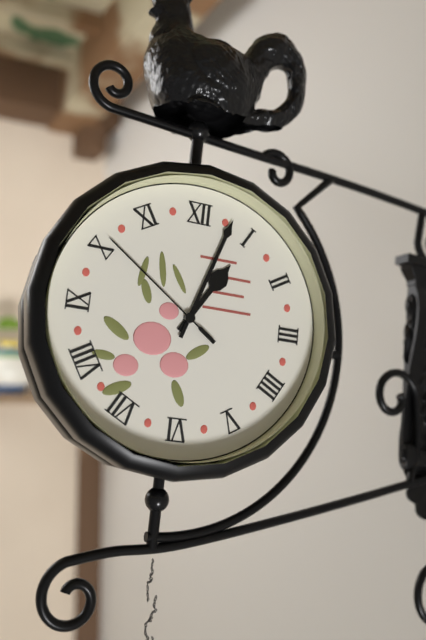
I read 1.03.51
